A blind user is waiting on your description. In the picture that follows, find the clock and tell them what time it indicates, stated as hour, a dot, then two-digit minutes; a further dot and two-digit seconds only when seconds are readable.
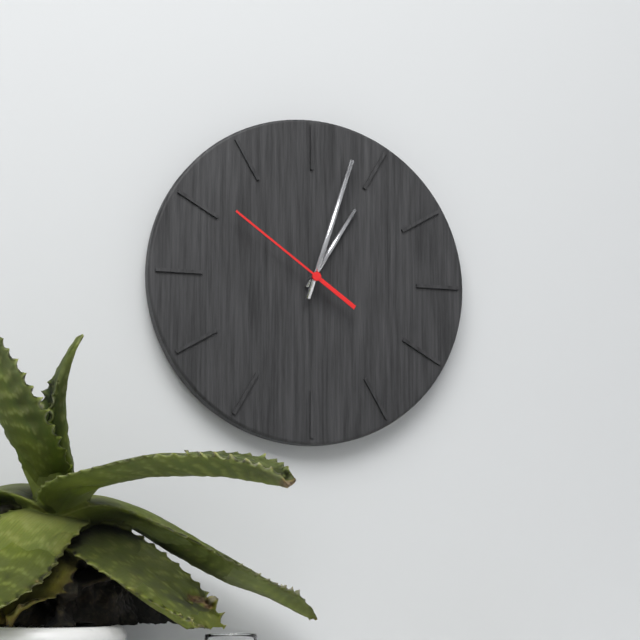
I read 1.03.51
